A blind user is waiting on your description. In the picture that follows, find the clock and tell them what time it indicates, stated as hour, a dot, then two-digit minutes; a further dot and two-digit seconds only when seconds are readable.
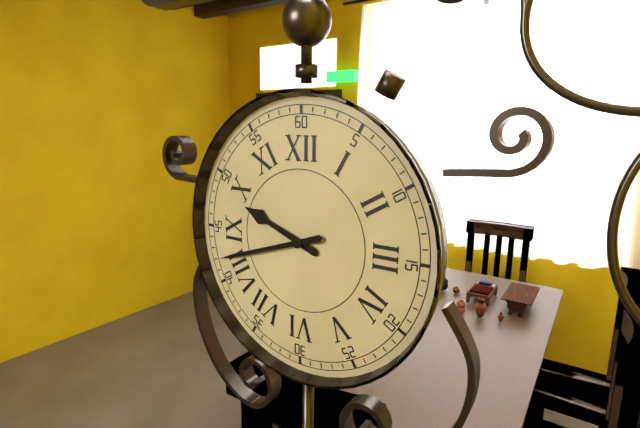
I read 9.42
